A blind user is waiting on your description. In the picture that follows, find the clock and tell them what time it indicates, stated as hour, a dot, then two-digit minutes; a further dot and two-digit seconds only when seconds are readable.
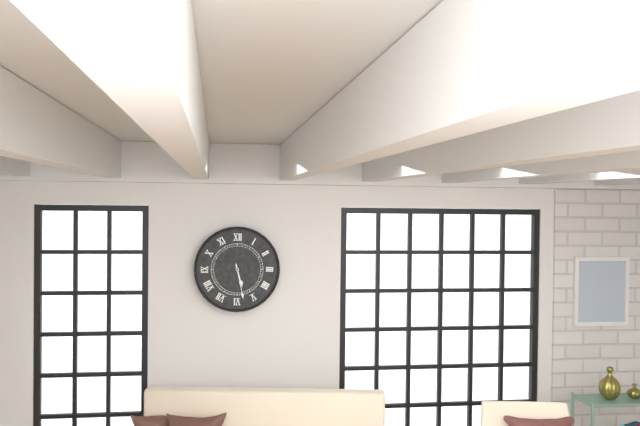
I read 5.28
